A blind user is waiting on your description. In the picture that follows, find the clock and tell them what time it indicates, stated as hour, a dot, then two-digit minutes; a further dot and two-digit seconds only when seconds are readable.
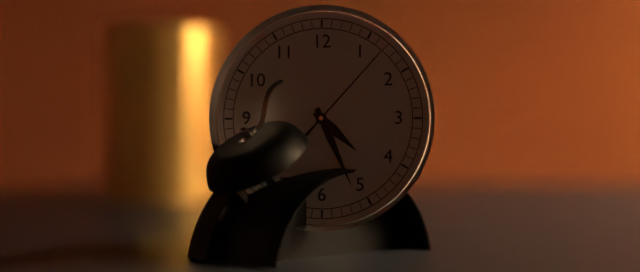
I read 4.26.07
